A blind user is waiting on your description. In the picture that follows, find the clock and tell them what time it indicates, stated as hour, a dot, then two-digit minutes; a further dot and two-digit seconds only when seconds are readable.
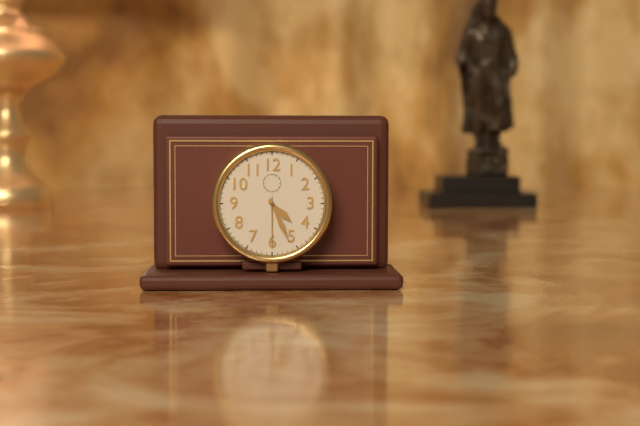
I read 4.26
